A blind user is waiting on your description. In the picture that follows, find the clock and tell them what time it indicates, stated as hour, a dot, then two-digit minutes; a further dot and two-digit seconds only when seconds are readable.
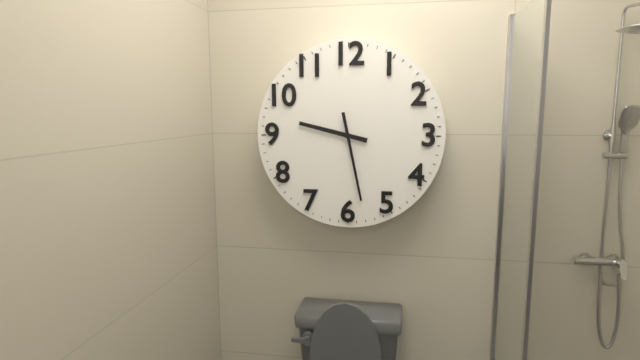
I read 9.28
